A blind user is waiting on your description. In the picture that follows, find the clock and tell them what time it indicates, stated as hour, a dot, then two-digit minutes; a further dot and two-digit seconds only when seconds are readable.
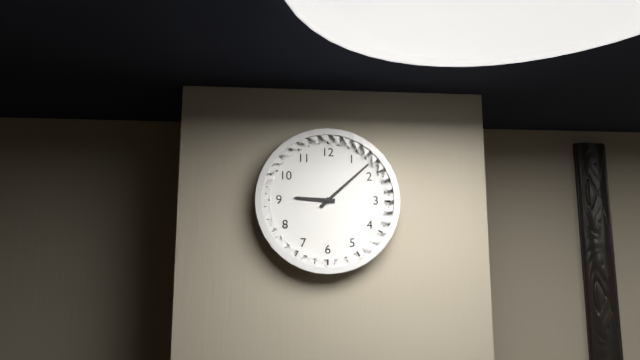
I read 9.08
